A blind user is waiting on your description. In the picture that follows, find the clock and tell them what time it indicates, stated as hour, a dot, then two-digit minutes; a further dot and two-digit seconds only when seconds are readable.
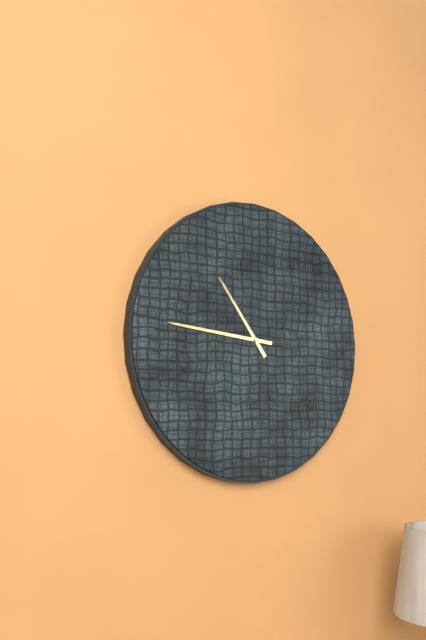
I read 10.46
